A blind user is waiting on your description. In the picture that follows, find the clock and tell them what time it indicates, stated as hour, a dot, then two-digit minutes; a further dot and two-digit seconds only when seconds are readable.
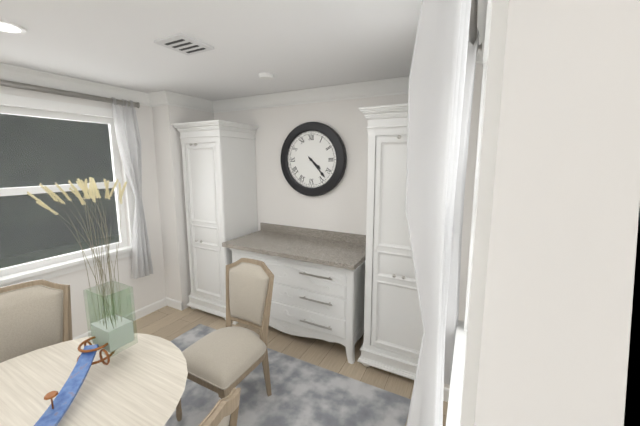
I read 4.23
